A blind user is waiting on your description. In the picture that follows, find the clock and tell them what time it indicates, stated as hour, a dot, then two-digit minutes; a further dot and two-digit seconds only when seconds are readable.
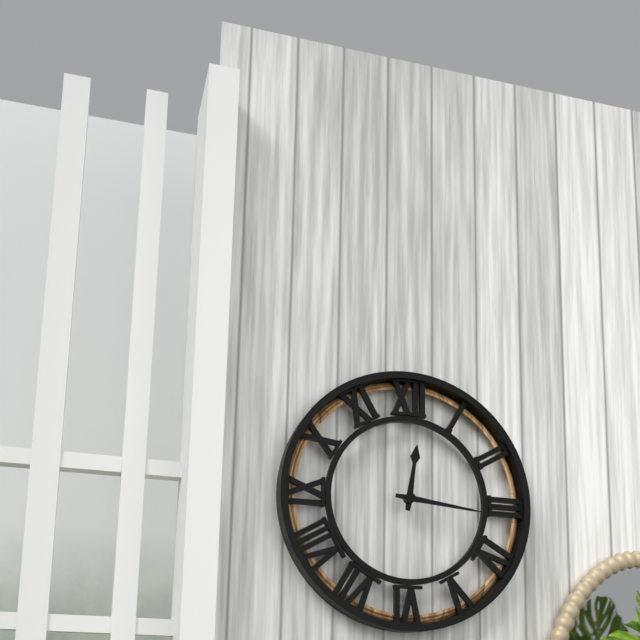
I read 12.16
